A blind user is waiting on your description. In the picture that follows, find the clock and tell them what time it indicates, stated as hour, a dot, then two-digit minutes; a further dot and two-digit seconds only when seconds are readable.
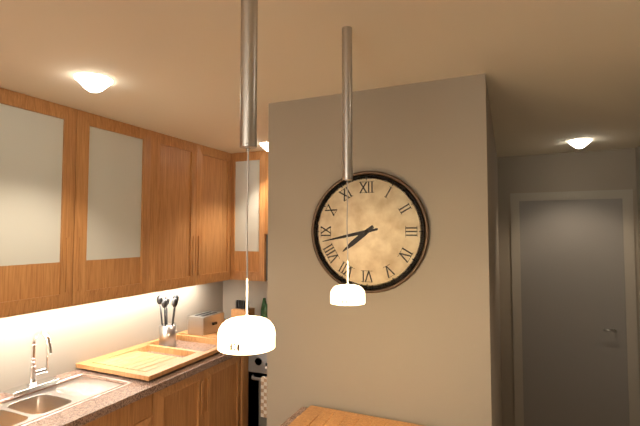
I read 7.43
